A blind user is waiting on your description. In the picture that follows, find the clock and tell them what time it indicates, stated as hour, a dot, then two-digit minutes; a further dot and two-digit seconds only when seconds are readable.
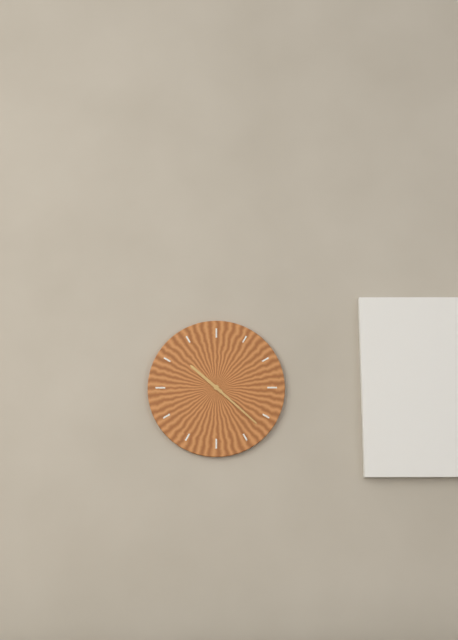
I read 10.22
